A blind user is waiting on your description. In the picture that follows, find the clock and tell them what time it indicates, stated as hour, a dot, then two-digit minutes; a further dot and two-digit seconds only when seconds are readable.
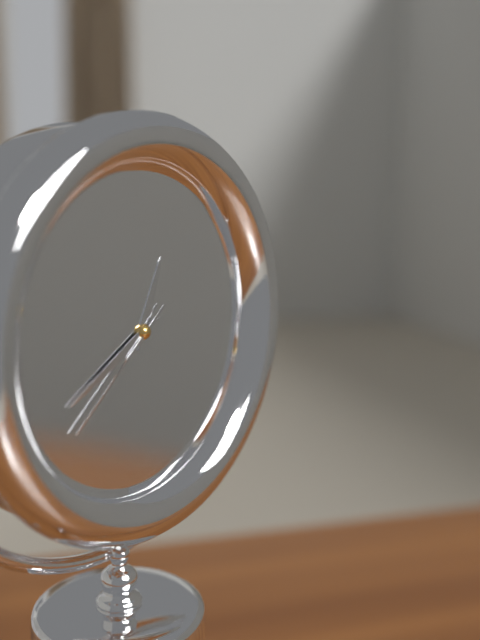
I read 12.40.38
